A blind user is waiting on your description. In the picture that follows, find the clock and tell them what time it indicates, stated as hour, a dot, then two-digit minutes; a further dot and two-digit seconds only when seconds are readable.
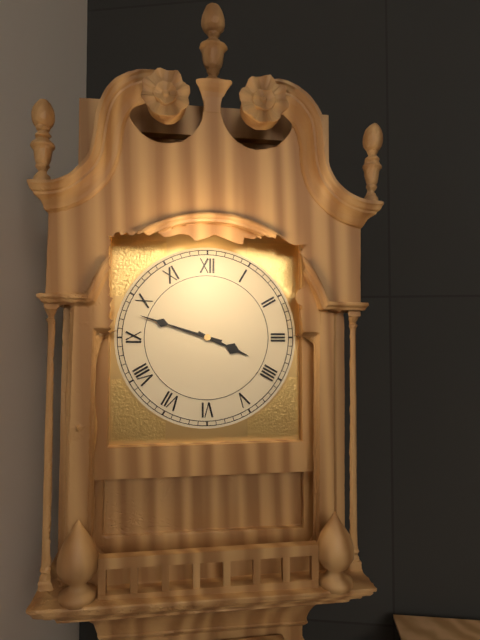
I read 3.48
